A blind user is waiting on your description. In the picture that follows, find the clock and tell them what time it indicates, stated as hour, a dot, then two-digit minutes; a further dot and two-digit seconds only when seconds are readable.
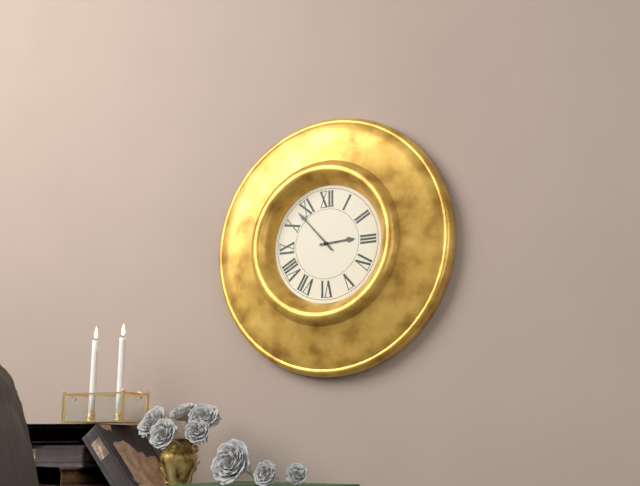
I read 2.53
